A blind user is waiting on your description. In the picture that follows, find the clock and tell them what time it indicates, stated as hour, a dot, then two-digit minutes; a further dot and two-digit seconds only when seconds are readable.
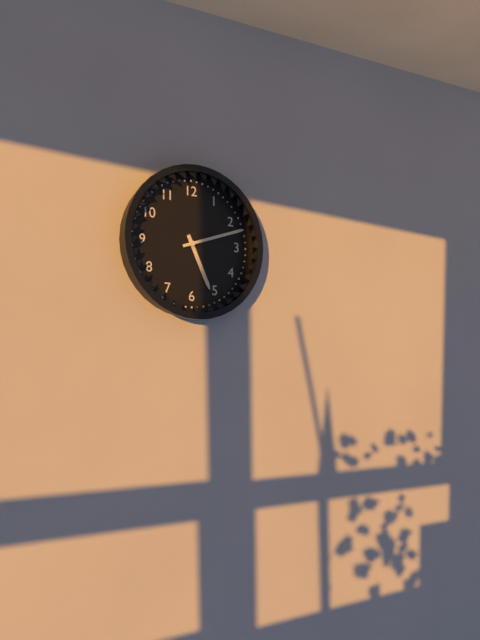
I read 5.12
